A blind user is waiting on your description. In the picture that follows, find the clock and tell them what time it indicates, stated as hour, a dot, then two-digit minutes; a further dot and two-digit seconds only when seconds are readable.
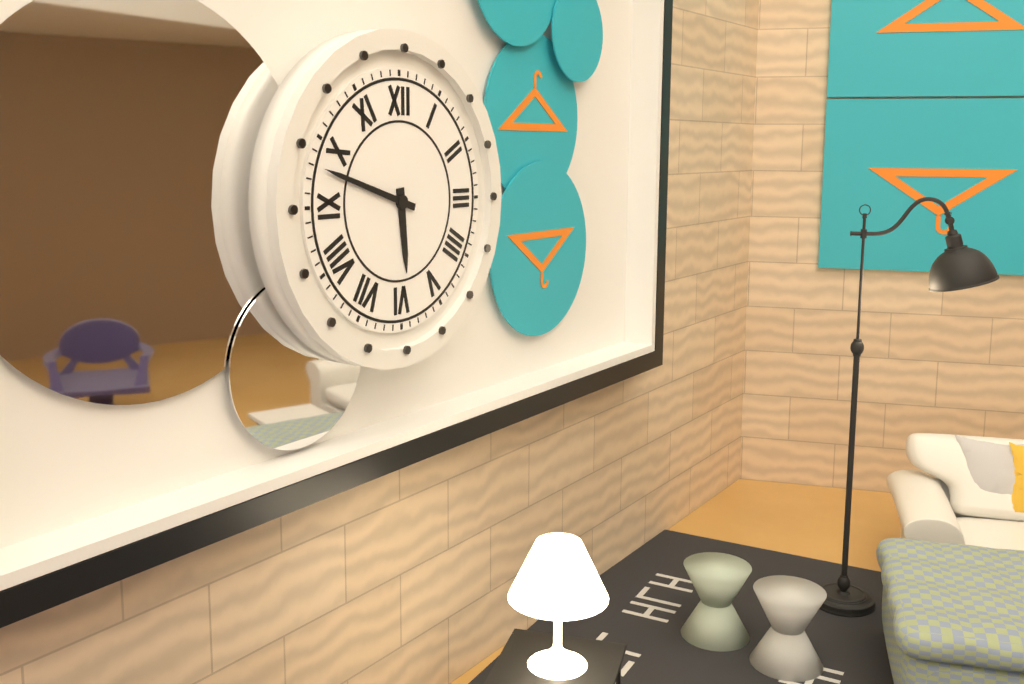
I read 5.48
